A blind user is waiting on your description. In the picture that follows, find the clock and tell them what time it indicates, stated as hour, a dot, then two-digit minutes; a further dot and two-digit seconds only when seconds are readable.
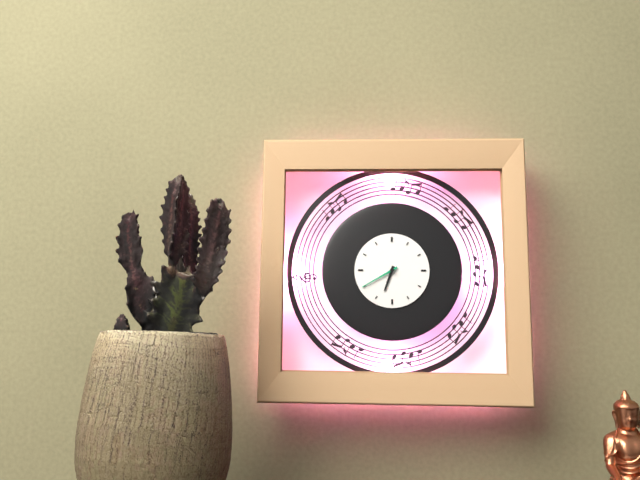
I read 6.40
